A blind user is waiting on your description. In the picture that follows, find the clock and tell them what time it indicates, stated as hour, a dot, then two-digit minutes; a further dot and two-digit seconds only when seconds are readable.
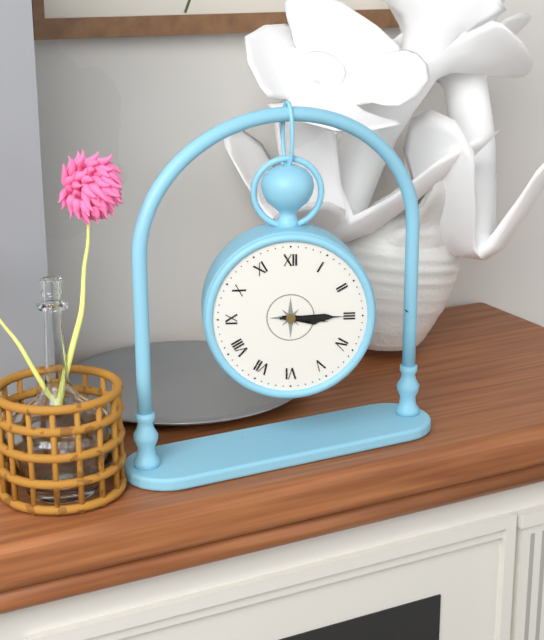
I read 3.15
